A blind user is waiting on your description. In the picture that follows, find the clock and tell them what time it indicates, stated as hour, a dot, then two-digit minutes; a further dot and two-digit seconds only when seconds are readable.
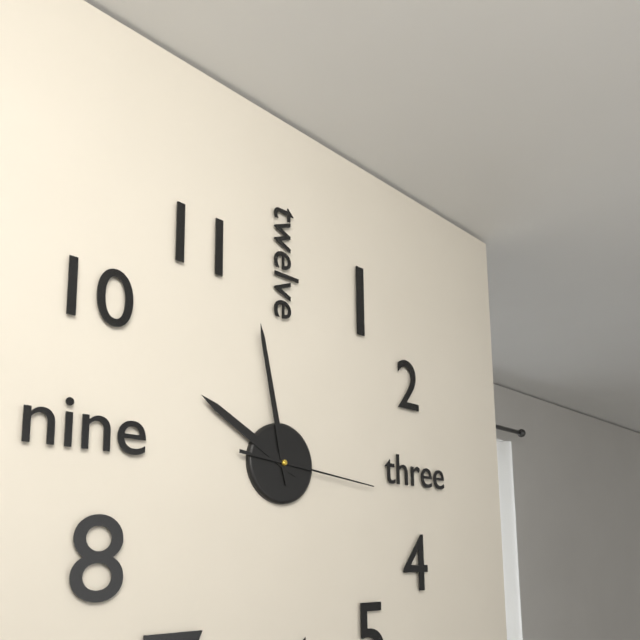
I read 9.58.16
